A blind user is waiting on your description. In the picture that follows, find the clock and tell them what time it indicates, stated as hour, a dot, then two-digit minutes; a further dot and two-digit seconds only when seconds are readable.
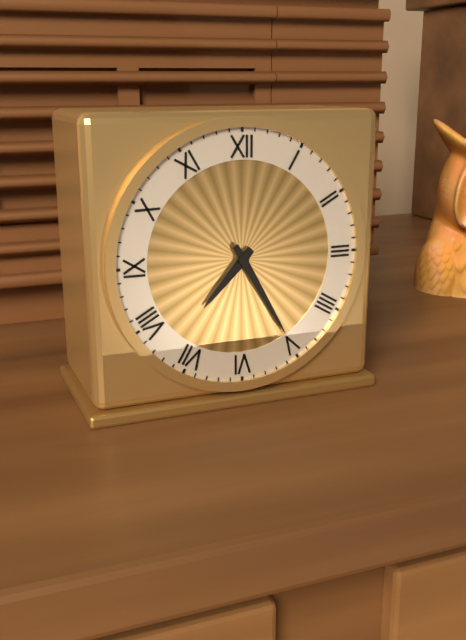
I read 7.25
